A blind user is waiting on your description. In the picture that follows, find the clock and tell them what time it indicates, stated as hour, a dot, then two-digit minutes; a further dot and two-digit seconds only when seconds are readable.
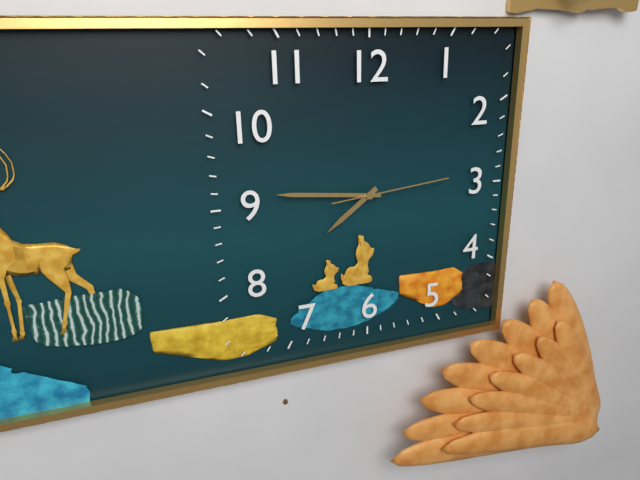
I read 7.46.14
